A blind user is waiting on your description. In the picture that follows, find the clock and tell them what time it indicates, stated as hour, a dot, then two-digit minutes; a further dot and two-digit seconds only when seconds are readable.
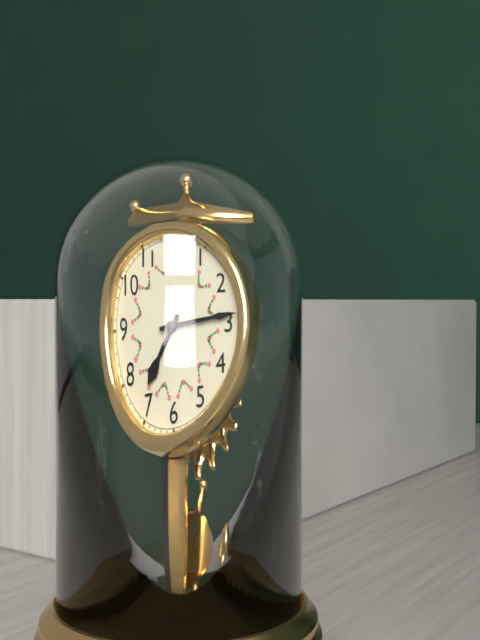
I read 7.14
